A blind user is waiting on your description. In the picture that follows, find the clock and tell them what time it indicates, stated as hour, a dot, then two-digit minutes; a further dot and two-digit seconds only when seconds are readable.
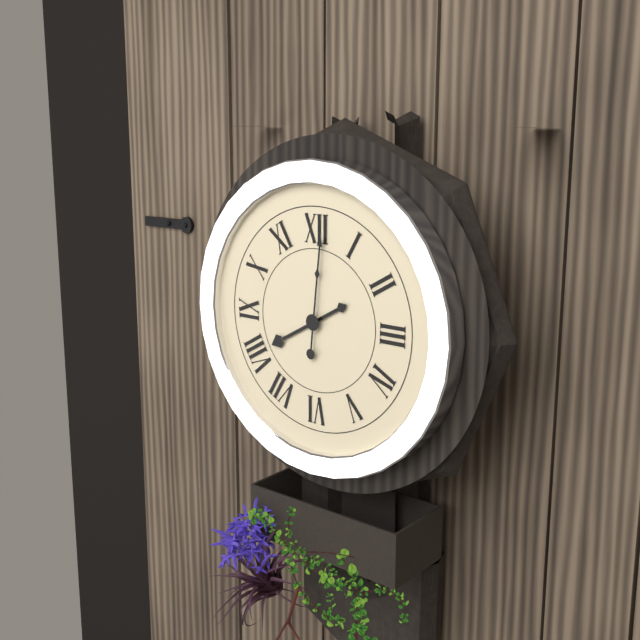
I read 8.01
